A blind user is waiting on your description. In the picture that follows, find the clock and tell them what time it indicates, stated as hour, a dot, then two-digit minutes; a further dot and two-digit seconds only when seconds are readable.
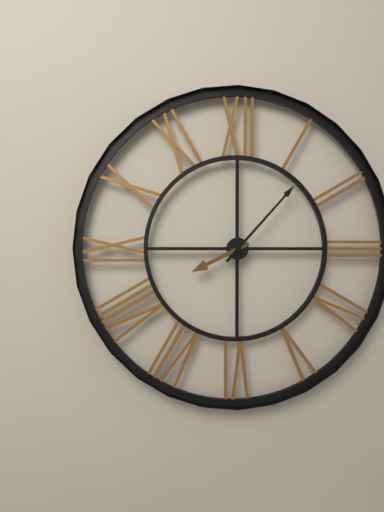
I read 8.07
